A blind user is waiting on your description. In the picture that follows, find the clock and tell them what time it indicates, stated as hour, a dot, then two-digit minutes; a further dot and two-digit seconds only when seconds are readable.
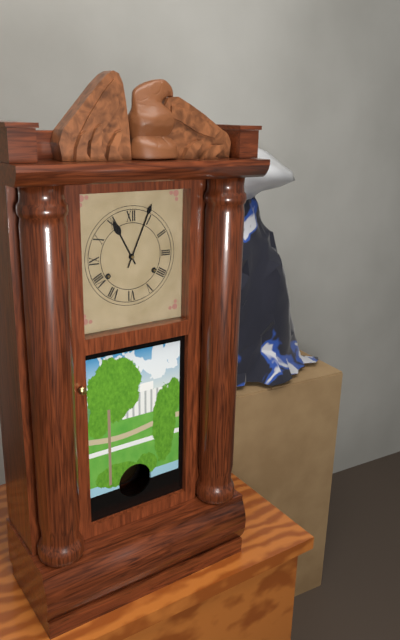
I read 11.04
